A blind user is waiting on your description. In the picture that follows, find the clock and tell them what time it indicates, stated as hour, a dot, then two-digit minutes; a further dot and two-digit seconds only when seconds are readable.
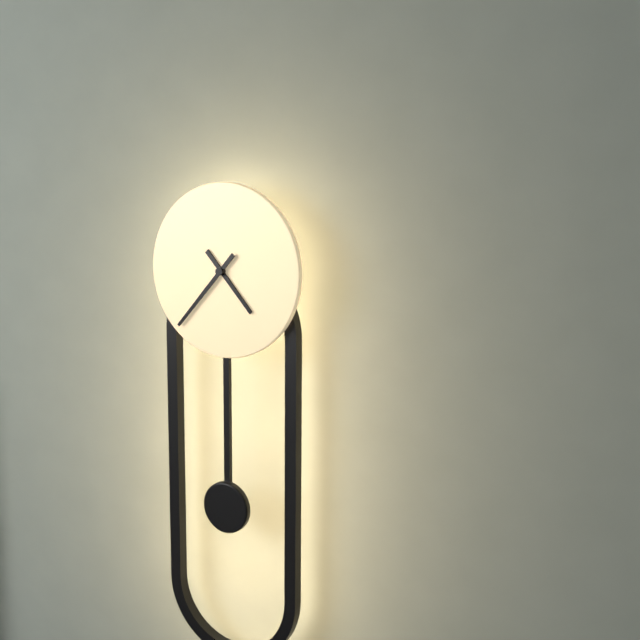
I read 4.37
